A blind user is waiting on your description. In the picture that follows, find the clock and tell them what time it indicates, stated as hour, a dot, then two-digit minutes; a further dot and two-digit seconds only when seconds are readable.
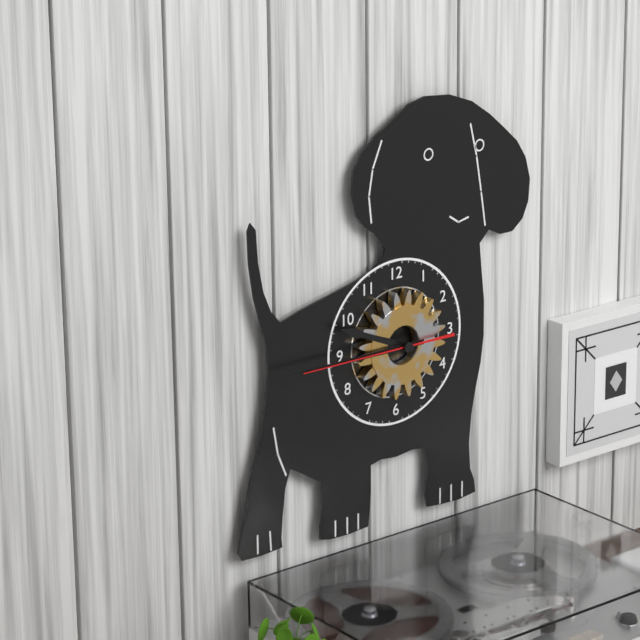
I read 9.45.45
